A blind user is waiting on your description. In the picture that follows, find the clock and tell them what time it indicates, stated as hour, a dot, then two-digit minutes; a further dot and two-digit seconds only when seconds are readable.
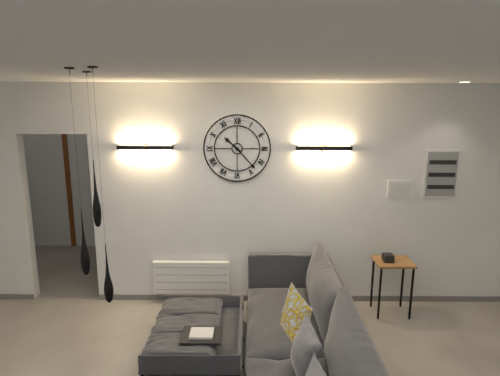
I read 10.23
